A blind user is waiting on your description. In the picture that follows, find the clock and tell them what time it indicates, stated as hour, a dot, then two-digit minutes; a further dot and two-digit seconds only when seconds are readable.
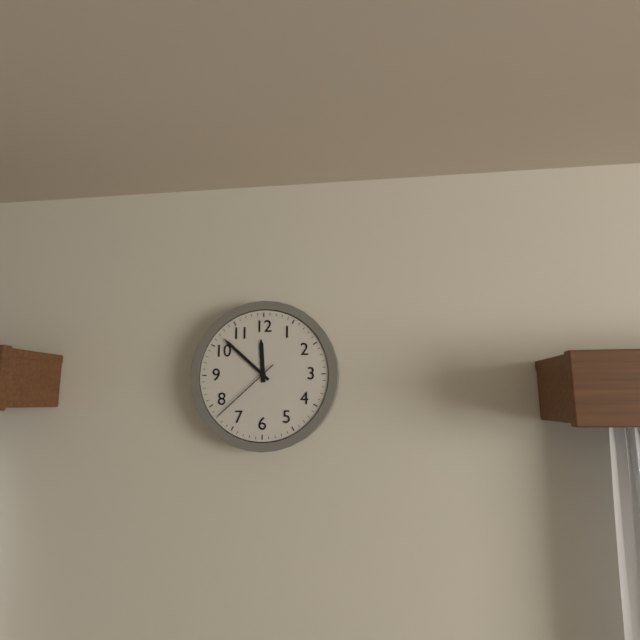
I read 11.52.38
